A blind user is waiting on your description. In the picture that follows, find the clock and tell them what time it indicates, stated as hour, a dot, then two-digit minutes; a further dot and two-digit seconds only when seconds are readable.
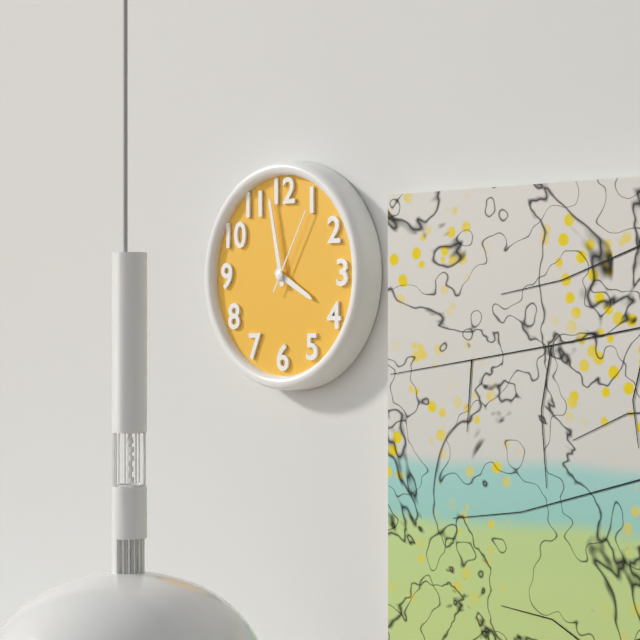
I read 3.58.05
